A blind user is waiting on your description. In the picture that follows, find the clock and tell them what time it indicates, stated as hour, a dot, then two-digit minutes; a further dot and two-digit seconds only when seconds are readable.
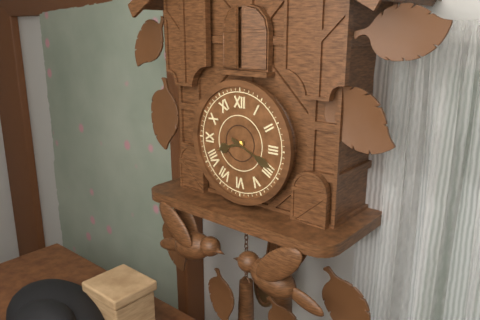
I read 8.19
